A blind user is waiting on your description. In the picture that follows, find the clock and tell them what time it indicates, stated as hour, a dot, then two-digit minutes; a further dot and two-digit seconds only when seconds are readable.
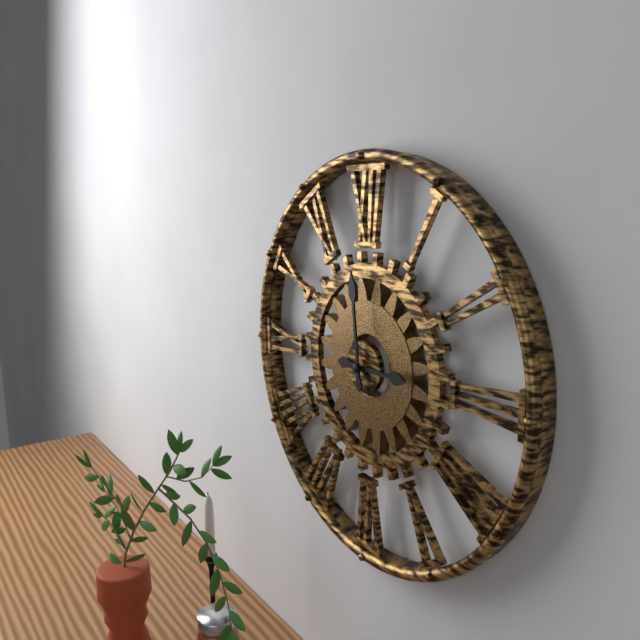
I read 2.59
